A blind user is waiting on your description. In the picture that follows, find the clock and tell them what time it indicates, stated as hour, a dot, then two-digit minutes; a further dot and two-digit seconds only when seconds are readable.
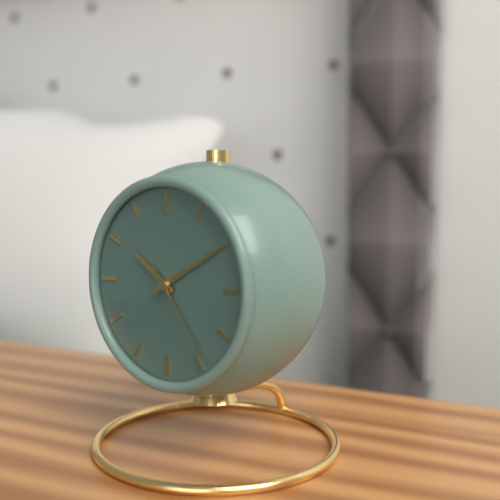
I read 10.10.24
